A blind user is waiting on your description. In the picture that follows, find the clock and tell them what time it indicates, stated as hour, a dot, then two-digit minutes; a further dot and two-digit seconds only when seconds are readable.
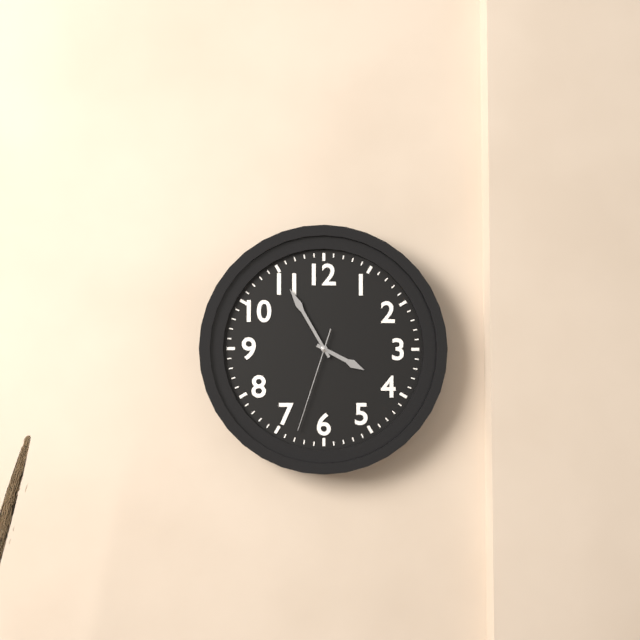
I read 3.55.33
